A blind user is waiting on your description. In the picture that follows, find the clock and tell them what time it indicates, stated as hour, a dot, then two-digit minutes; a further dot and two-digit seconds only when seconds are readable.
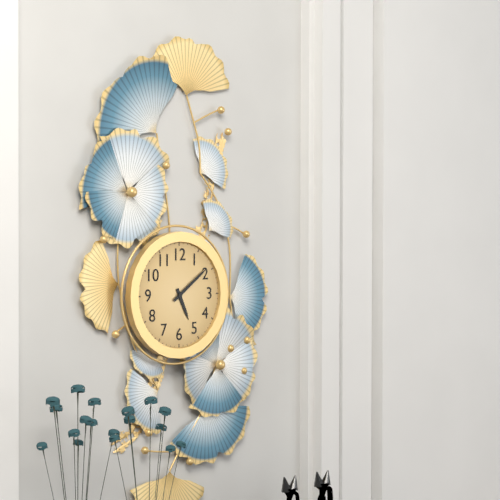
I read 5.09
